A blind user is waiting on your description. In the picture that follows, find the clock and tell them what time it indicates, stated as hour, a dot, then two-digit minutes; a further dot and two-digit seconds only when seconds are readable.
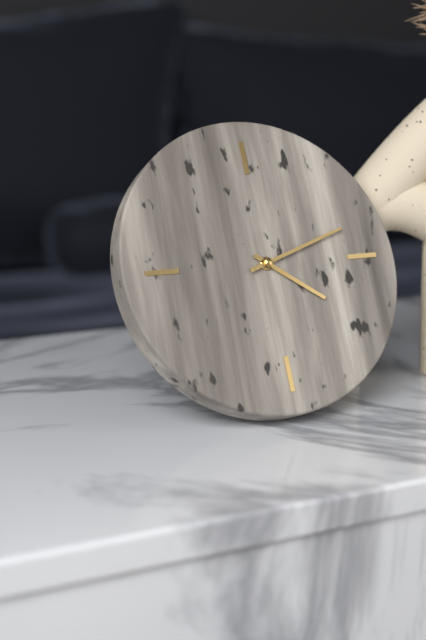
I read 4.12
